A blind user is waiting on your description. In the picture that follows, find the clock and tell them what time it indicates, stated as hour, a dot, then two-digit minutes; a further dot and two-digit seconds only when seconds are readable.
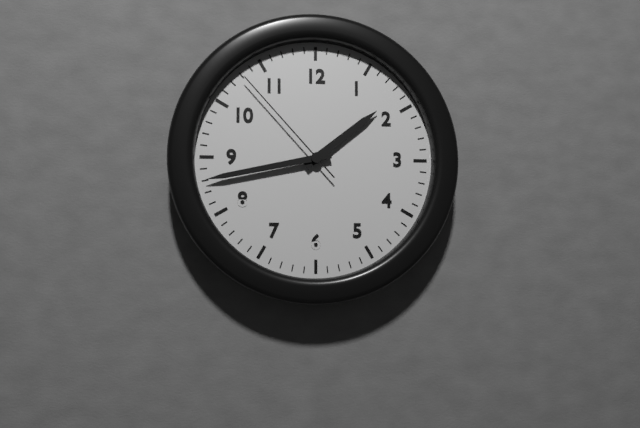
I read 1.43.53
